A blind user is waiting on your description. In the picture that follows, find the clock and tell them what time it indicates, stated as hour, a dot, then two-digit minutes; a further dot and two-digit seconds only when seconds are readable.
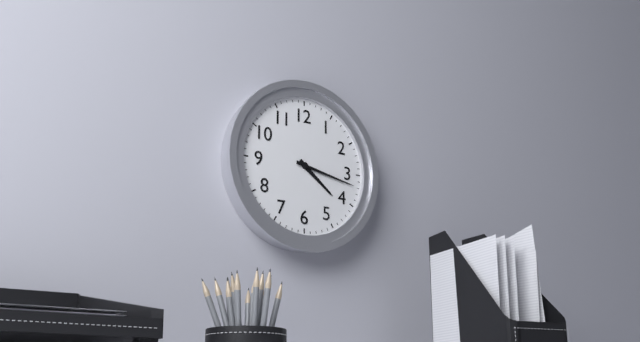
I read 4.17
